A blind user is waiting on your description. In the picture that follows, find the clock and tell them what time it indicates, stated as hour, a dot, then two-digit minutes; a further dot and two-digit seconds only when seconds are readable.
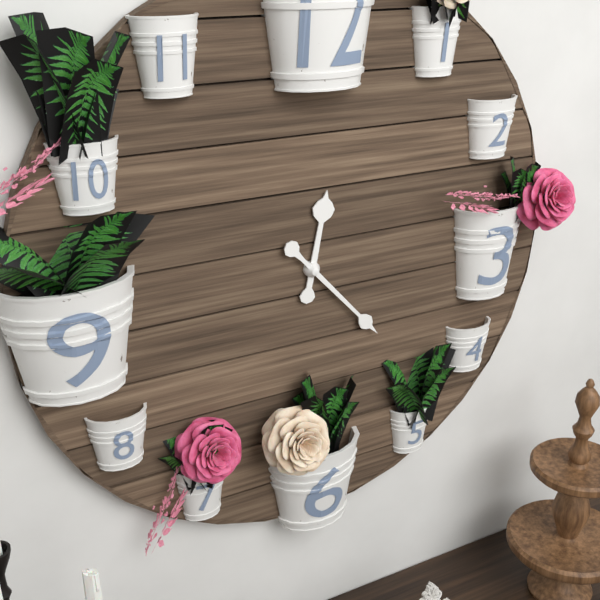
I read 12.23
